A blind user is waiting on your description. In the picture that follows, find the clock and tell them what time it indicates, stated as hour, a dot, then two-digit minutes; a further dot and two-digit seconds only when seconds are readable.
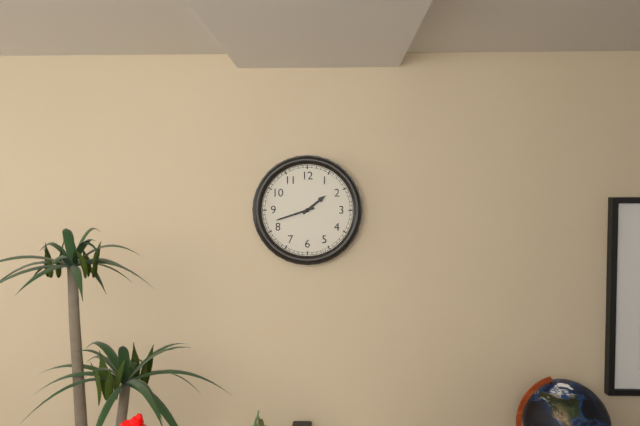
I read 1.42
